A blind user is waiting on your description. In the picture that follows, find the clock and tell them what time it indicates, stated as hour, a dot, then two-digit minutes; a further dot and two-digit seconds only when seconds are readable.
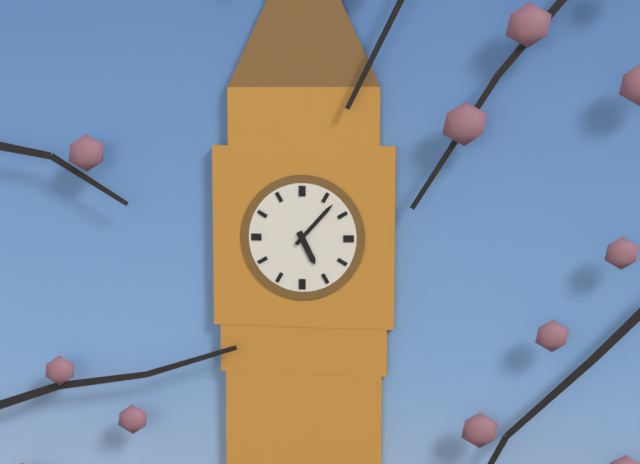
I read 5.07
